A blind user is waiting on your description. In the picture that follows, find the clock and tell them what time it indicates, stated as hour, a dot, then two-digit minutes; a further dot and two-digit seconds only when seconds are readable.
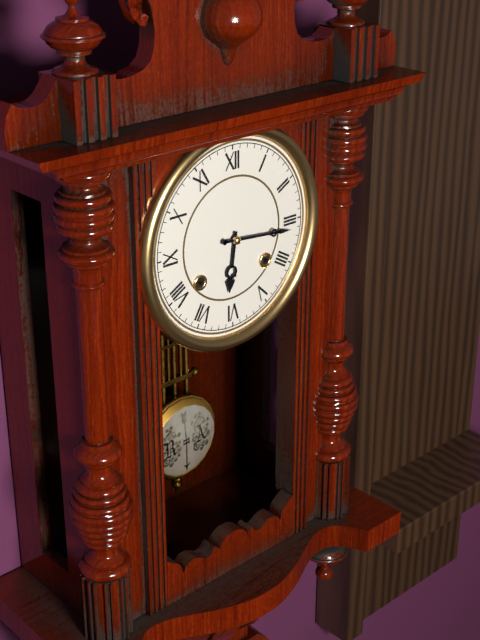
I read 6.16
